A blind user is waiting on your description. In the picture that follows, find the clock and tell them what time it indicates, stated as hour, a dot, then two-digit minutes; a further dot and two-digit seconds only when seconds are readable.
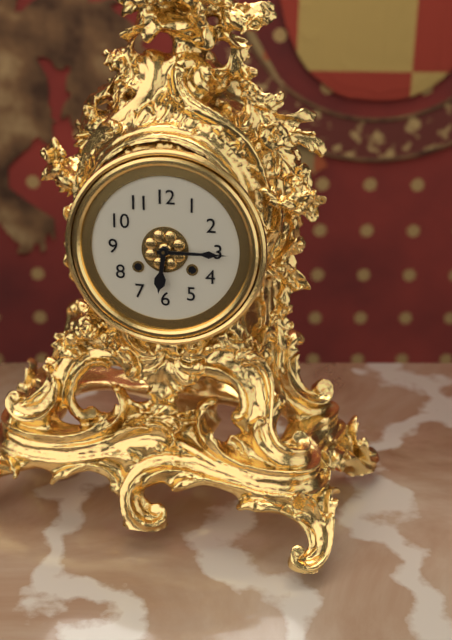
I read 6.15
